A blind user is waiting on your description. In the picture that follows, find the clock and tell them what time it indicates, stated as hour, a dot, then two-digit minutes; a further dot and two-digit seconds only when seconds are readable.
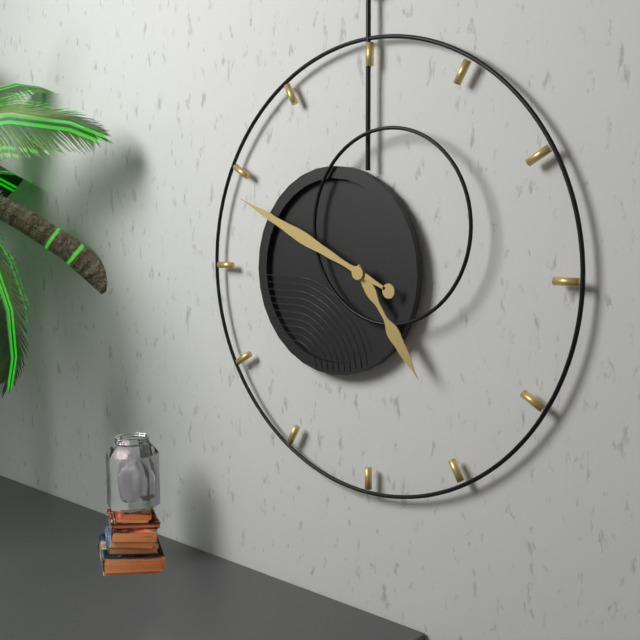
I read 4.49
